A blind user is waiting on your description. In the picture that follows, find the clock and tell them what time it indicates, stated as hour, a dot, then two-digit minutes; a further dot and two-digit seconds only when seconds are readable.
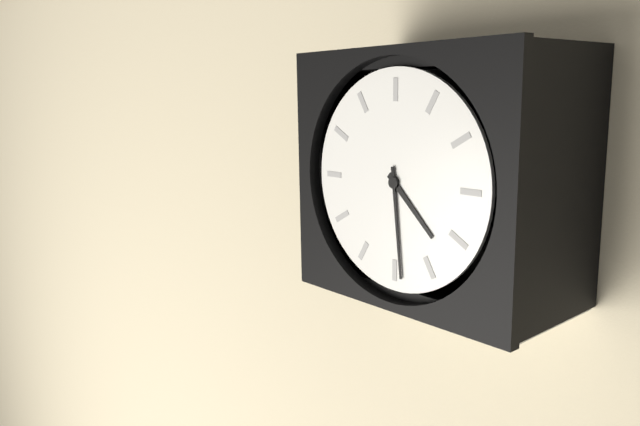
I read 4.29
